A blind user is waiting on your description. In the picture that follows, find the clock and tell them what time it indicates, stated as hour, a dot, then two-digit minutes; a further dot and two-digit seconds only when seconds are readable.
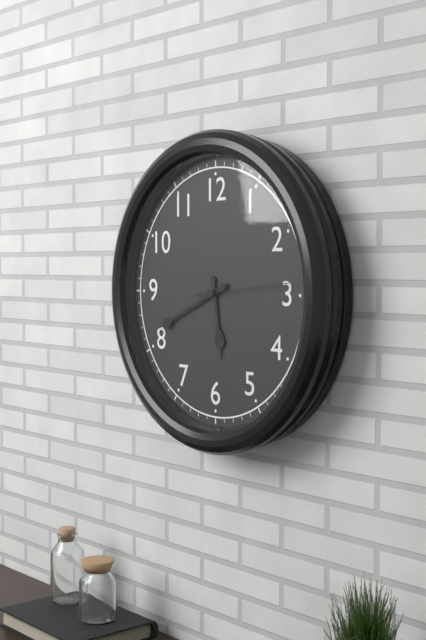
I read 5.41.14
